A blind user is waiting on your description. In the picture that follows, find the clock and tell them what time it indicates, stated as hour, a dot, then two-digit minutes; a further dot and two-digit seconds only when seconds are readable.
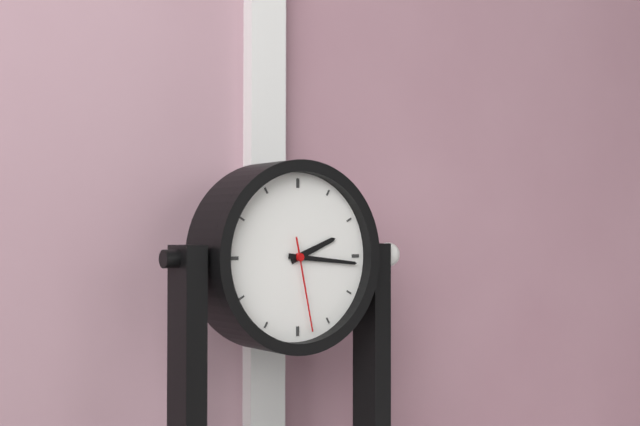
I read 2.16.28
